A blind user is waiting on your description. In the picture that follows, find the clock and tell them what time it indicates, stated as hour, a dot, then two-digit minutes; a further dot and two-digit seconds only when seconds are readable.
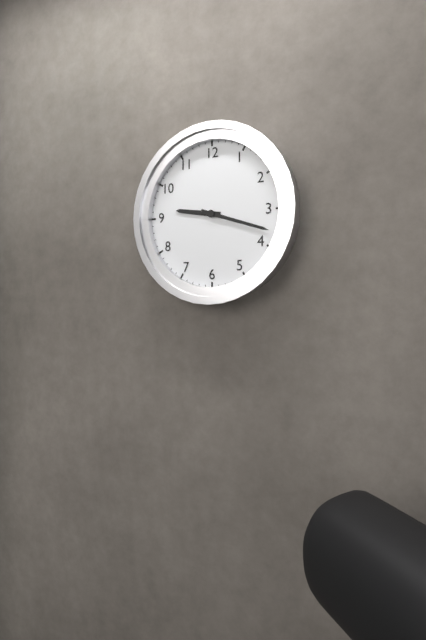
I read 9.18
